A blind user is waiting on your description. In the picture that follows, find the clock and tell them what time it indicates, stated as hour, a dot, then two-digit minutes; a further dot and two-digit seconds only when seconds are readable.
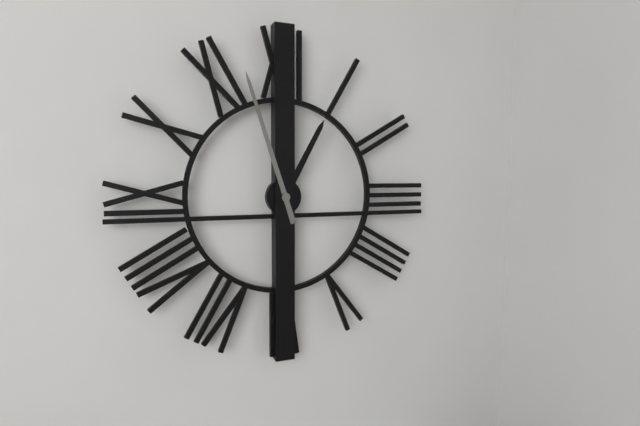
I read 12.57
